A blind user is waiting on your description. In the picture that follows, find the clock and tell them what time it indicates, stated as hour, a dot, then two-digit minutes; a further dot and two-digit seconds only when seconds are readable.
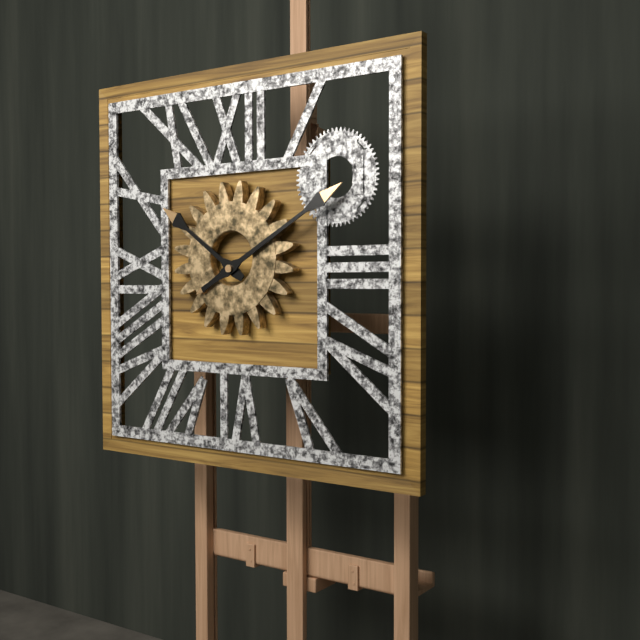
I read 10.10
